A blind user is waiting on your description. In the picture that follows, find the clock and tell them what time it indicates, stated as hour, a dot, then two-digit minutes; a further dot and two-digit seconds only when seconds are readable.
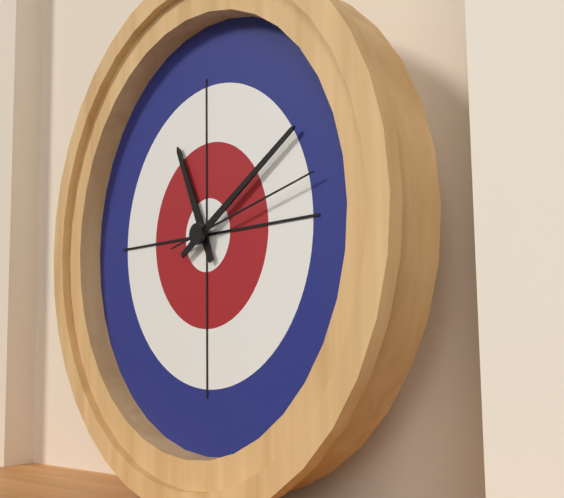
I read 11.10.13
